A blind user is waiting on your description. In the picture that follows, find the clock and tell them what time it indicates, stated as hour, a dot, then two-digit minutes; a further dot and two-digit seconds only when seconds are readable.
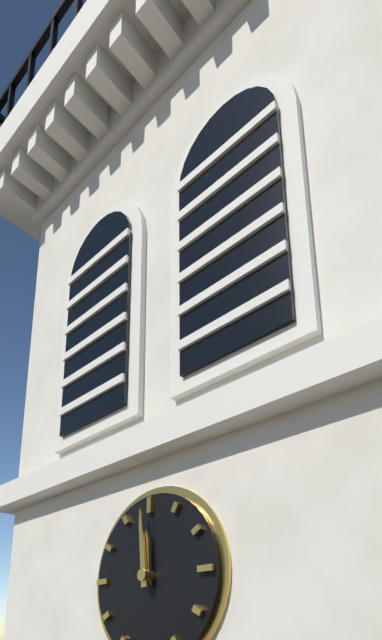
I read 11.59
